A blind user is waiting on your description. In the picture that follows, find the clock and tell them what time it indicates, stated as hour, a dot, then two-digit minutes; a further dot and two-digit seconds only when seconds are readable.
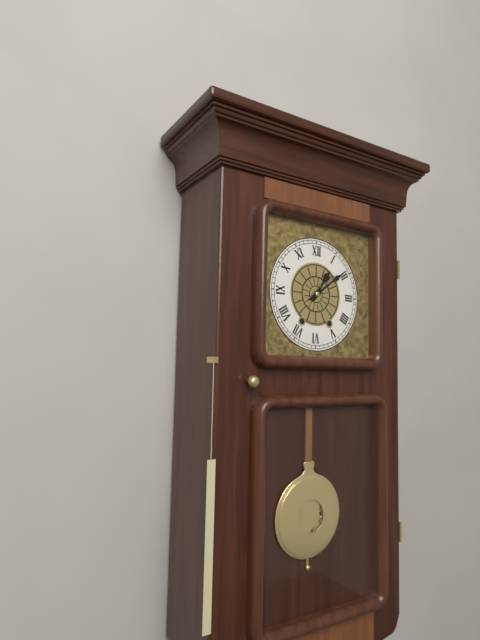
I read 1.09
